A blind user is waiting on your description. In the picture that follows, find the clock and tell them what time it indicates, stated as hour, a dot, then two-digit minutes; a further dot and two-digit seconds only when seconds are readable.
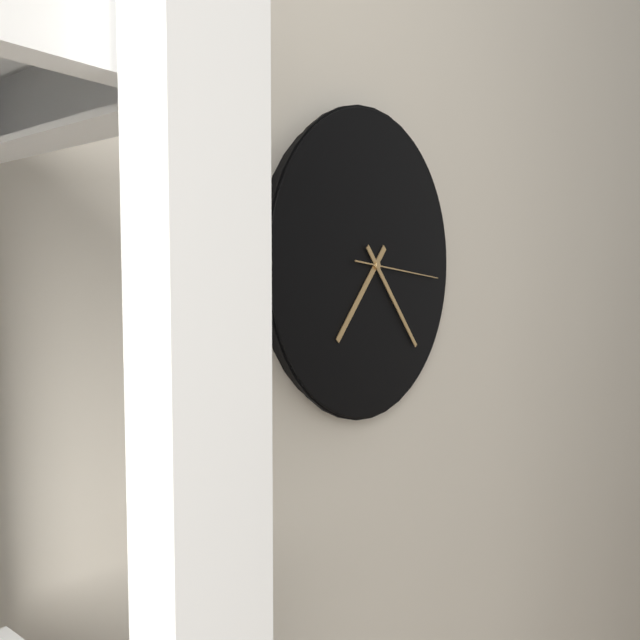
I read 7.23.16
